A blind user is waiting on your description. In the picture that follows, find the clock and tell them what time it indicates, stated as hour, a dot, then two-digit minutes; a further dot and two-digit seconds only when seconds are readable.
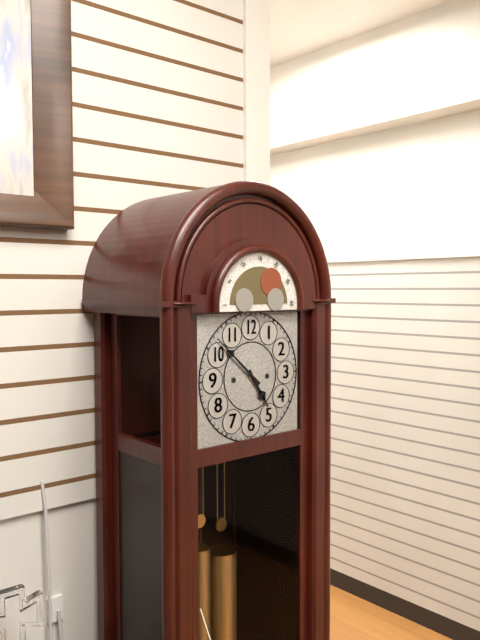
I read 4.52
